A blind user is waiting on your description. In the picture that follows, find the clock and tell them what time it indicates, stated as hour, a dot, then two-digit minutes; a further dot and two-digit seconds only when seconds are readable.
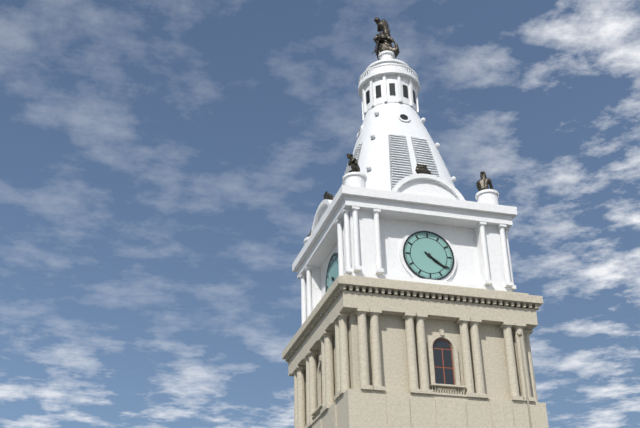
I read 4.21
